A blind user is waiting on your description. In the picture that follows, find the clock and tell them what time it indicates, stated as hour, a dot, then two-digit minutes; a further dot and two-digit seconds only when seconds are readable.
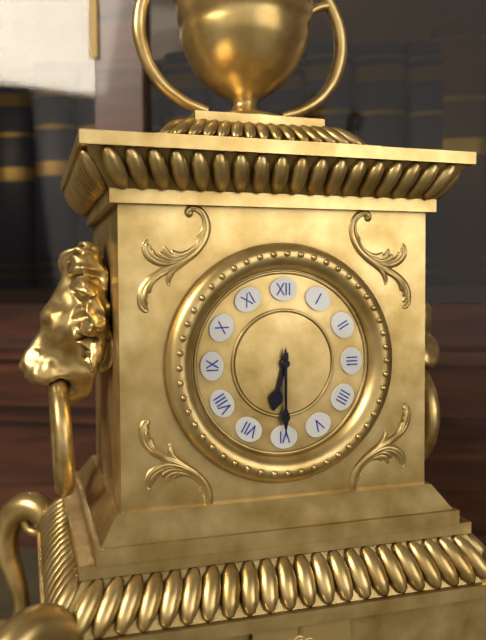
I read 6.30
